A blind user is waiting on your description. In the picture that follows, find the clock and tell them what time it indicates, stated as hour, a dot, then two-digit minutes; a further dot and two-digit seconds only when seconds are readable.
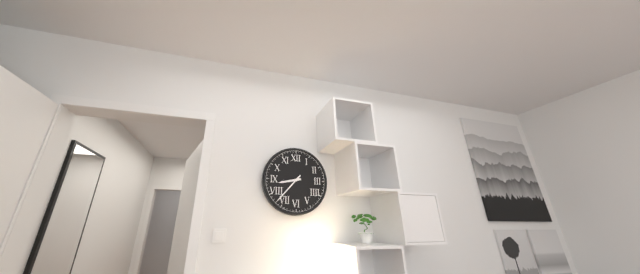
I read 8.37
